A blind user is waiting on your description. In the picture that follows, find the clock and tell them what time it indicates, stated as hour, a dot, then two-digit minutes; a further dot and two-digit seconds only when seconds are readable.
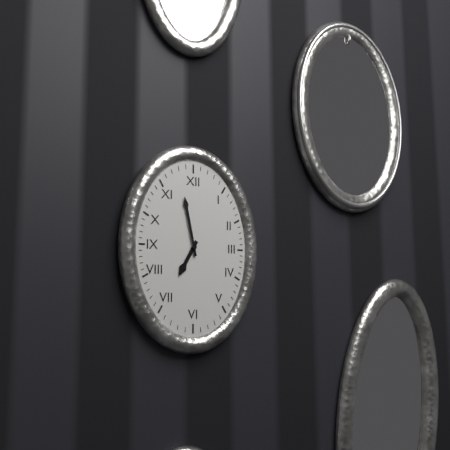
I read 6.58
